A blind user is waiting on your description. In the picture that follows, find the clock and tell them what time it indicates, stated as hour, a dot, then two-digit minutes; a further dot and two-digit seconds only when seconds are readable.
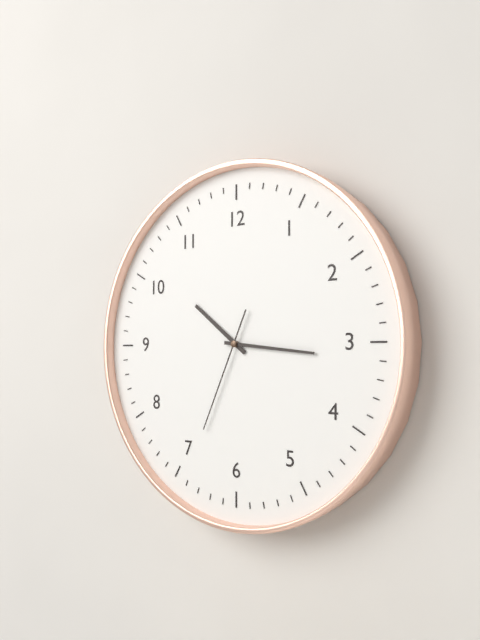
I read 10.16.34
